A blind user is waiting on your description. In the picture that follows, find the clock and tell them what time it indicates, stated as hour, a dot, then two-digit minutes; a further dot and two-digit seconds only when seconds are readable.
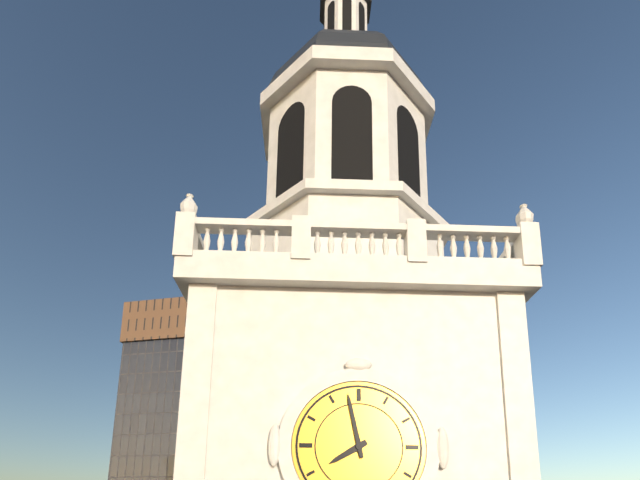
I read 7.58
